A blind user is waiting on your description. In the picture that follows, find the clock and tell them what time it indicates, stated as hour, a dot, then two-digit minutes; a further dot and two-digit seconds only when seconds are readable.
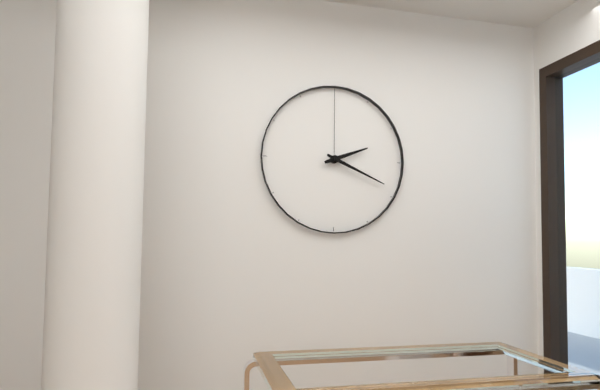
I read 2.19
